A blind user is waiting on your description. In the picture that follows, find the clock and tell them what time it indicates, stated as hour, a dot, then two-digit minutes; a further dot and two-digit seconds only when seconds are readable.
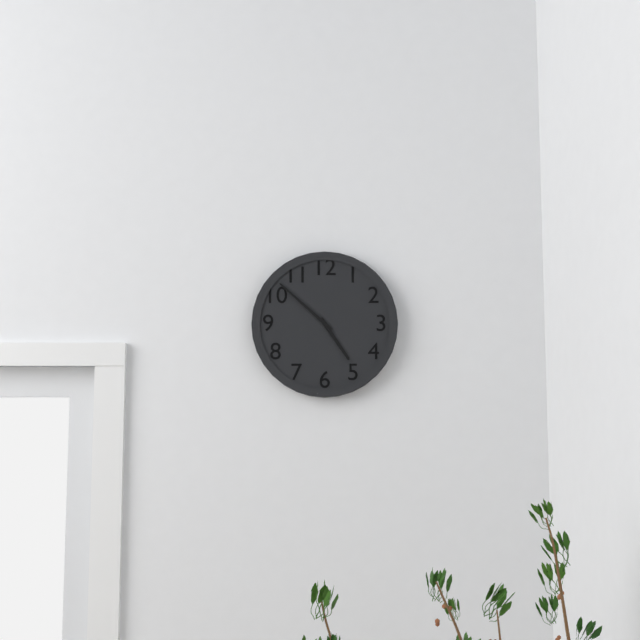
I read 4.52
